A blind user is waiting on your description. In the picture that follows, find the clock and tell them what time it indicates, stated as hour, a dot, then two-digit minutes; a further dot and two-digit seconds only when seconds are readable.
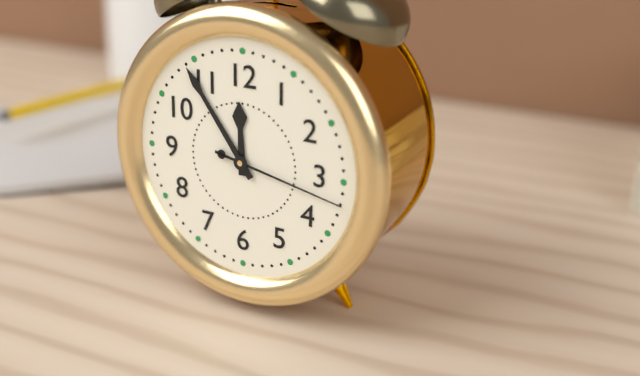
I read 11.54.17
